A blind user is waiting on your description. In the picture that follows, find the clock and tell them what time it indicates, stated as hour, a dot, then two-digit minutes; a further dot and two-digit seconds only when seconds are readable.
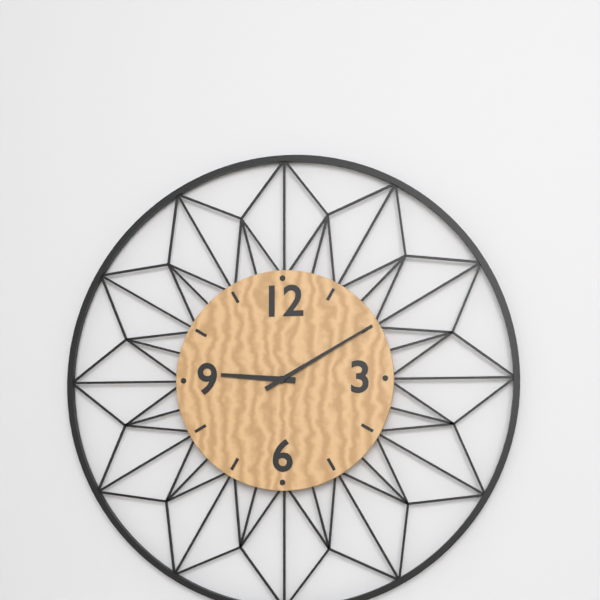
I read 9.10
